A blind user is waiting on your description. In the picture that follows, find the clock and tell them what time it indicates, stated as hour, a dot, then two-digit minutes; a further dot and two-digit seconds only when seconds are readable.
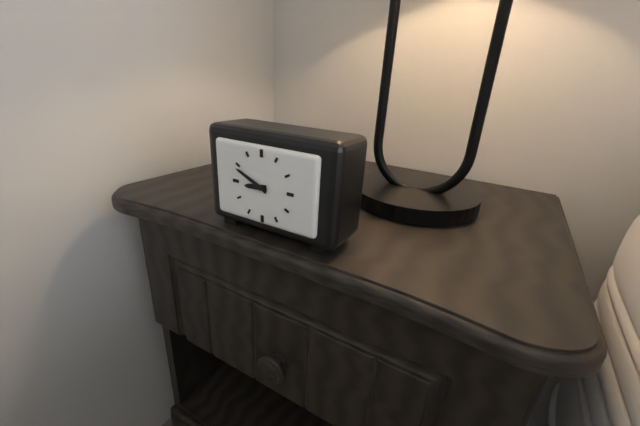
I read 8.49
